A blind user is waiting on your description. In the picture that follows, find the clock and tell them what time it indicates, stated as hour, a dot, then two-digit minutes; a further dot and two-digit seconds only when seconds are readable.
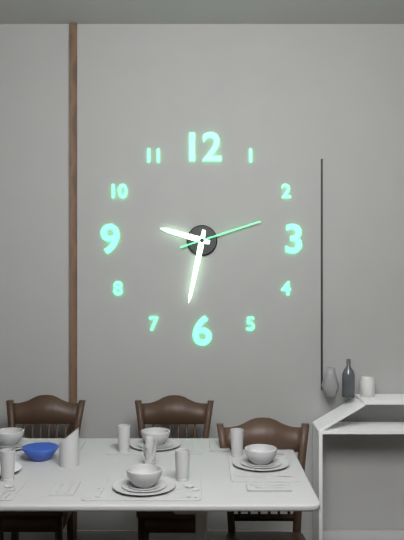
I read 9.32.12
